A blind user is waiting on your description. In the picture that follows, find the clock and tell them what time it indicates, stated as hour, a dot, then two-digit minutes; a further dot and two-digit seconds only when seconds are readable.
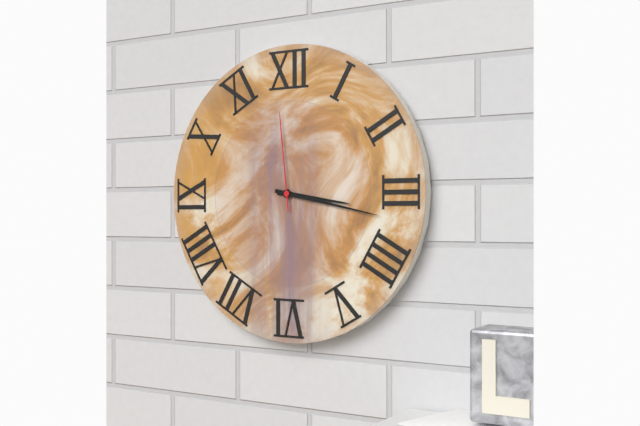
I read 3.17.59
